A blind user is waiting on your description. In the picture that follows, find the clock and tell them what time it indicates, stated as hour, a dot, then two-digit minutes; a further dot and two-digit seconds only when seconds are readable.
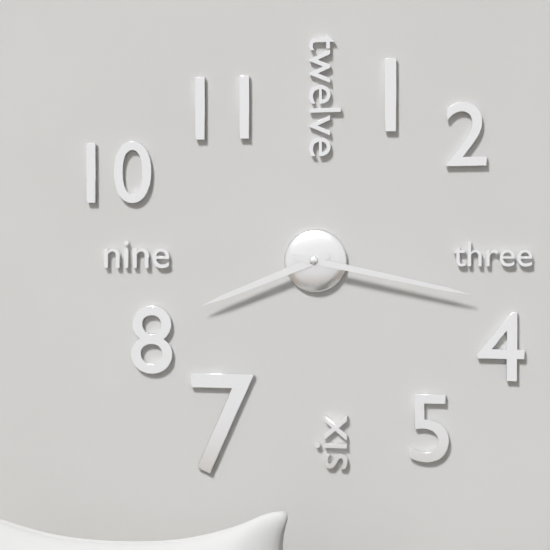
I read 8.17
